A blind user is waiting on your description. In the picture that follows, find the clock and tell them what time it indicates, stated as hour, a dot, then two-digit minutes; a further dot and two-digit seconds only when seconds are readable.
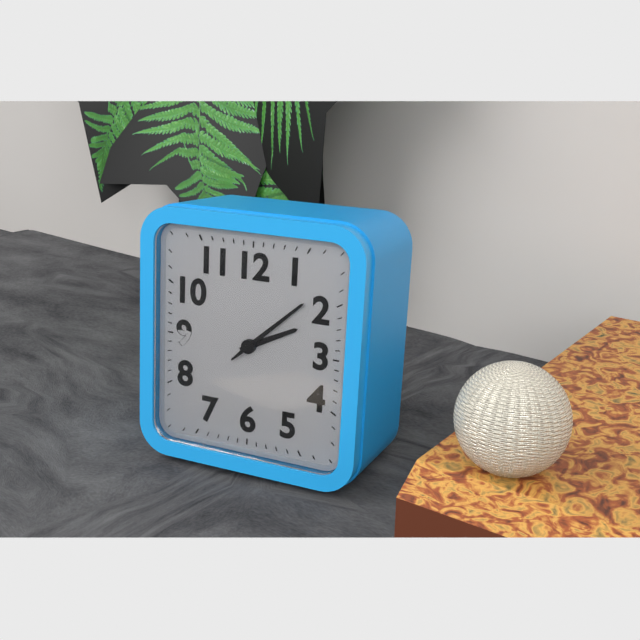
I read 2.08
